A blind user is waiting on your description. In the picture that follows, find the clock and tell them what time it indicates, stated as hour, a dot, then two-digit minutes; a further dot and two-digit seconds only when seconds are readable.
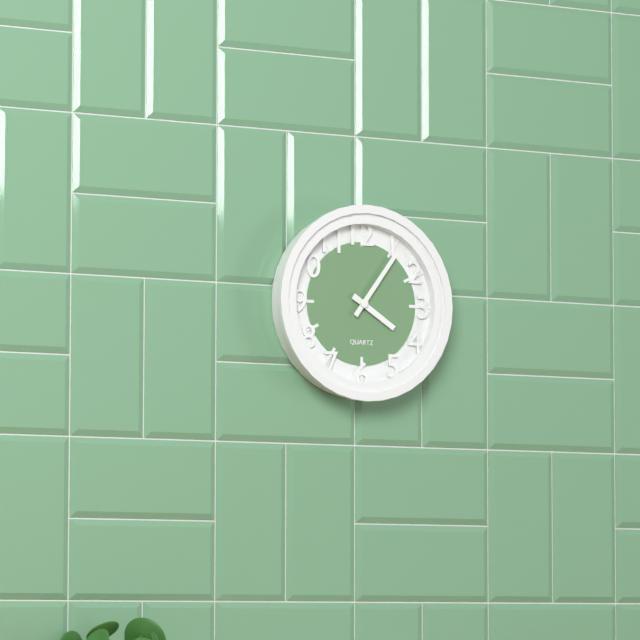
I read 4.06
